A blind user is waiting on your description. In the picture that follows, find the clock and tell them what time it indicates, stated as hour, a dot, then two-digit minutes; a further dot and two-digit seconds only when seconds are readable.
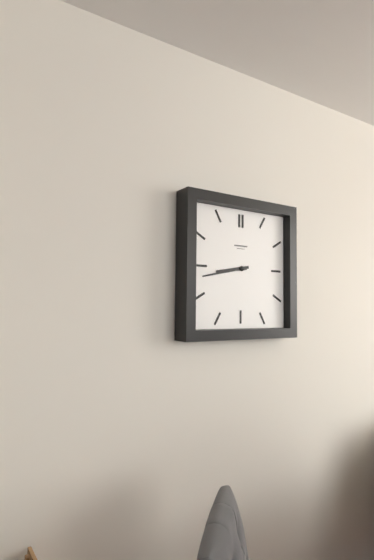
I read 8.43
